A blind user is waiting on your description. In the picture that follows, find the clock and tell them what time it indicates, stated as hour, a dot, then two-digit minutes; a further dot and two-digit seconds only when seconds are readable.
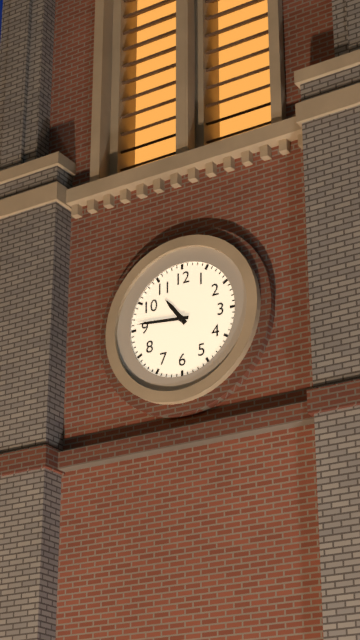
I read 10.46
